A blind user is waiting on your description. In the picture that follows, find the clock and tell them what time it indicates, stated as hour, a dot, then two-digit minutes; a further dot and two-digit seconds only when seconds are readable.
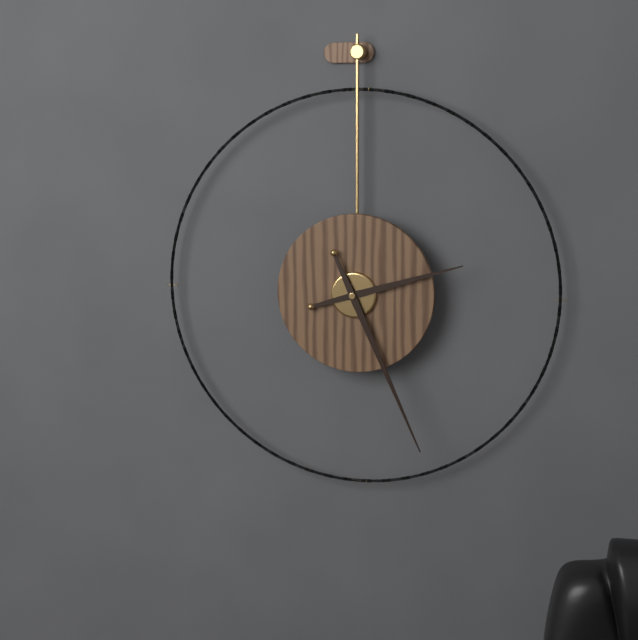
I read 2.26
